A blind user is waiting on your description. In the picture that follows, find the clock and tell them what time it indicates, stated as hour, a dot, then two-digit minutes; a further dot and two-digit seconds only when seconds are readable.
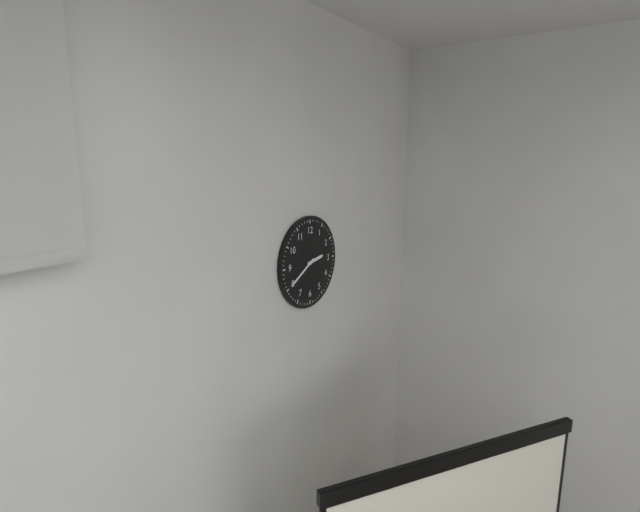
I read 2.40
